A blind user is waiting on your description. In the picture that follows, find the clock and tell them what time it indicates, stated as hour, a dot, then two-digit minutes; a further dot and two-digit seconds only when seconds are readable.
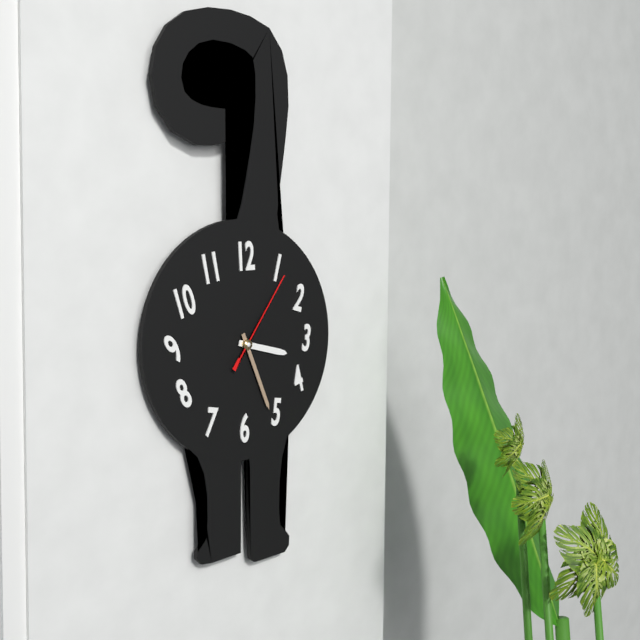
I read 3.26.06
